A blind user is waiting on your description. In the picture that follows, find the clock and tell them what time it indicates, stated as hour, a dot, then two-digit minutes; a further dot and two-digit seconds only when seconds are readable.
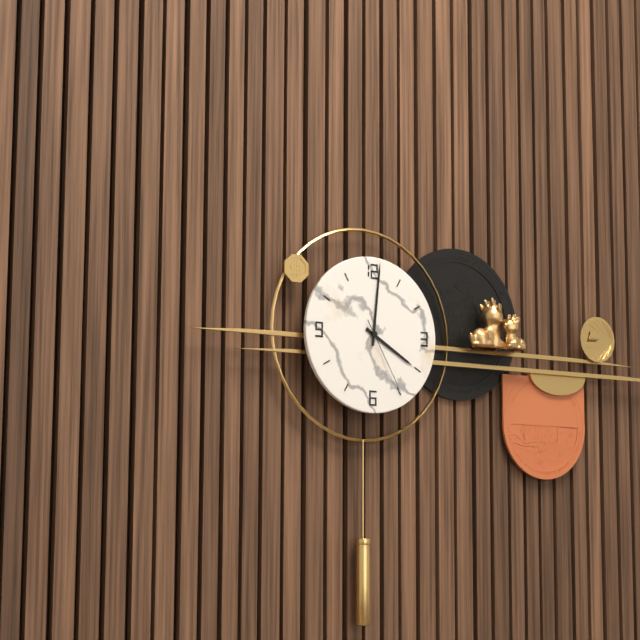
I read 4.01.25
